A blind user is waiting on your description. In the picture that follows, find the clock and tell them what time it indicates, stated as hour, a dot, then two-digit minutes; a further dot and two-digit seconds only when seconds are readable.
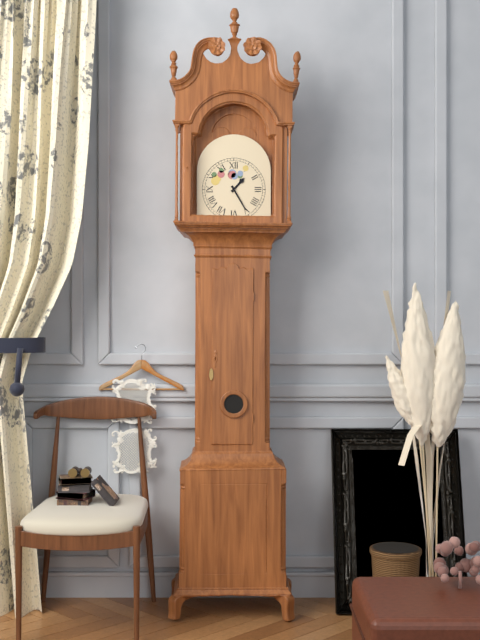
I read 1.25
